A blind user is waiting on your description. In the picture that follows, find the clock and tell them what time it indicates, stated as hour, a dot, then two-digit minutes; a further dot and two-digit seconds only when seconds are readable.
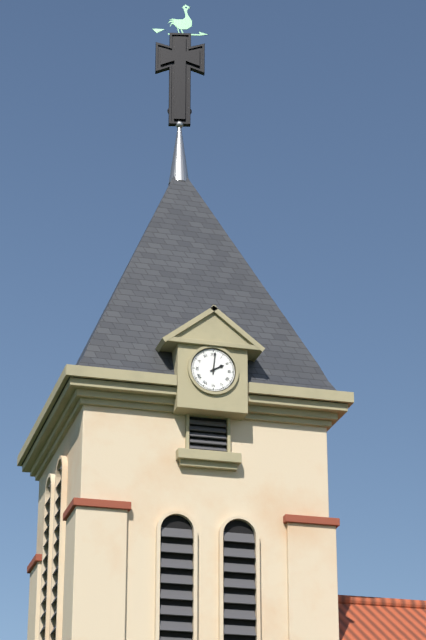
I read 2.01
